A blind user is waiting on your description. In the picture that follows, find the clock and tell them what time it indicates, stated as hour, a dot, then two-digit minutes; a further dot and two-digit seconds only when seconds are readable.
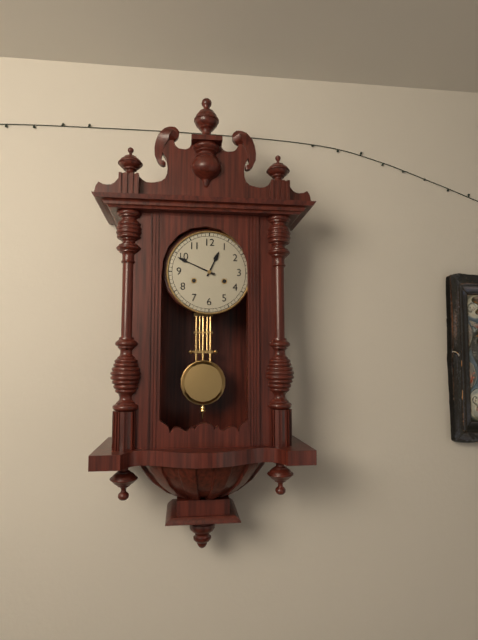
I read 12.49
